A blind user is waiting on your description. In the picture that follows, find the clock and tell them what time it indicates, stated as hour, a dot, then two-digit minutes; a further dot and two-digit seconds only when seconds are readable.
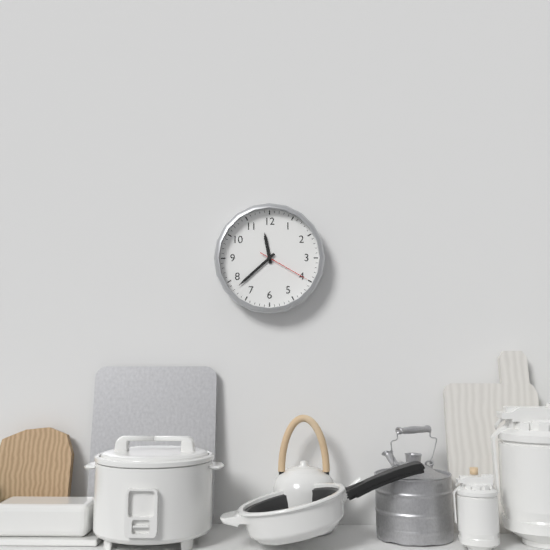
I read 11.38.20
